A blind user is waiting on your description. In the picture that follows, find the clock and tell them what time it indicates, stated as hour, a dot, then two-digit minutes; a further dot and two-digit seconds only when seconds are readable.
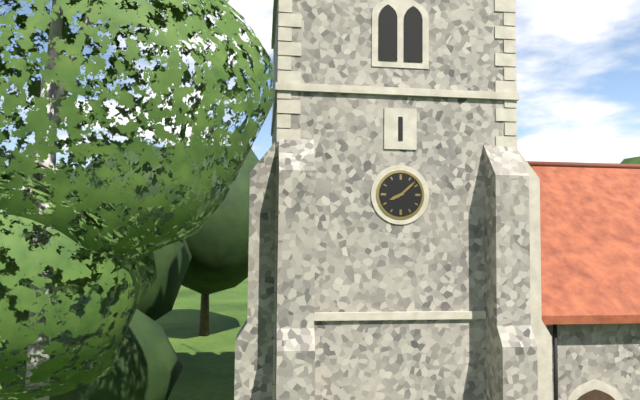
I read 8.08
